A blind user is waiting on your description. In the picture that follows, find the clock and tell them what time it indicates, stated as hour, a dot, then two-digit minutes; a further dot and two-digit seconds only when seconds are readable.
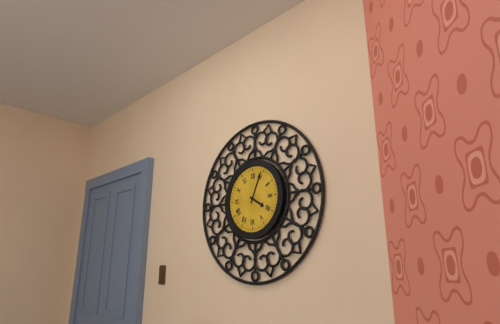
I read 4.04
